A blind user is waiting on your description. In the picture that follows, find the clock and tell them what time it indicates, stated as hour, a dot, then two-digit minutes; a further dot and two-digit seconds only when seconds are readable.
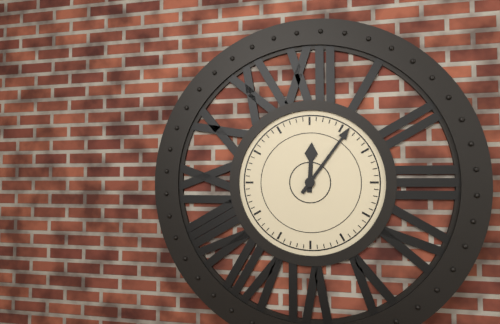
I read 12.06
